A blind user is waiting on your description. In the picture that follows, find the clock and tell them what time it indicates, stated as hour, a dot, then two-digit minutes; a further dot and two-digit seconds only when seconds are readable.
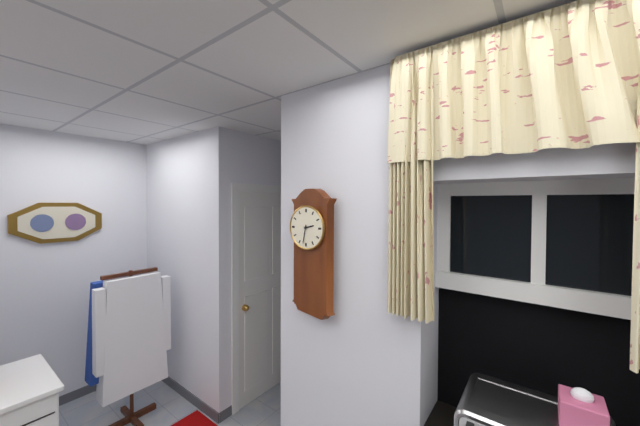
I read 2.32
